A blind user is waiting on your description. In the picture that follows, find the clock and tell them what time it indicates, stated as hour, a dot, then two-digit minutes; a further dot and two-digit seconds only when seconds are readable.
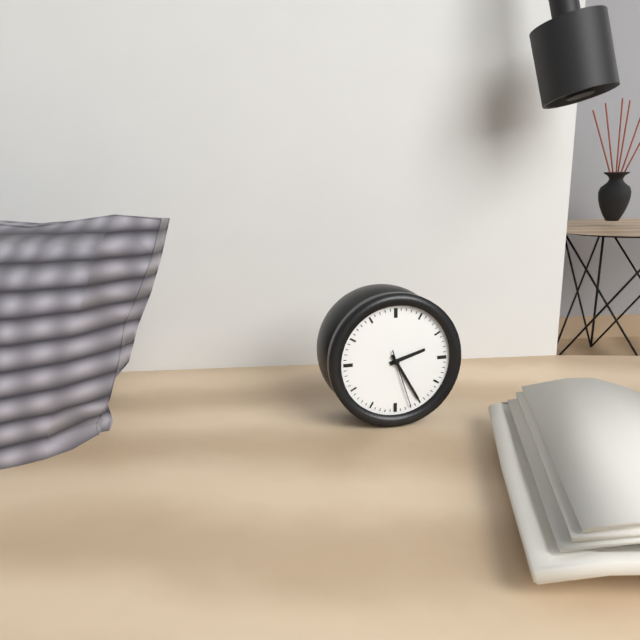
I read 2.25.27
